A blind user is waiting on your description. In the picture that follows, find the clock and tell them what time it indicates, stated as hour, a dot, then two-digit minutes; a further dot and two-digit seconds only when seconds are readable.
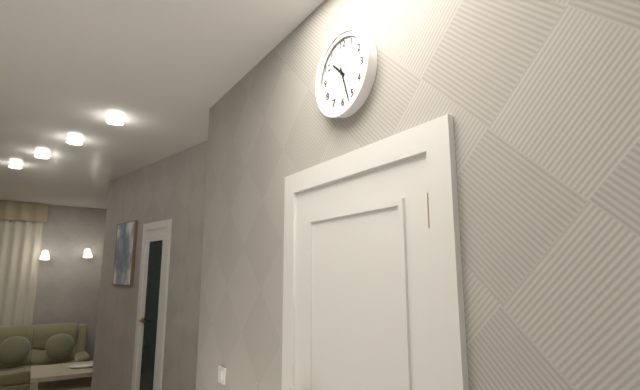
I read 10.27
